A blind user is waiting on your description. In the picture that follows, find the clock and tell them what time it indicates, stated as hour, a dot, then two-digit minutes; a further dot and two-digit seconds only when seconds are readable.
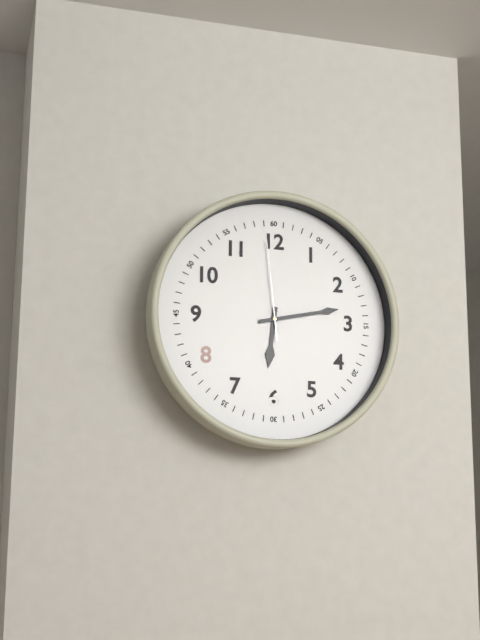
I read 6.13.59
